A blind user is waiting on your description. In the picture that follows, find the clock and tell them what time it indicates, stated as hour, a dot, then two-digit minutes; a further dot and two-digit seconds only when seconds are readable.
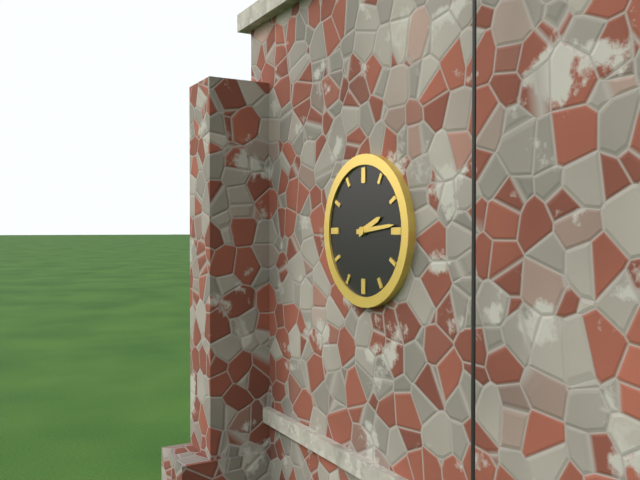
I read 2.14
